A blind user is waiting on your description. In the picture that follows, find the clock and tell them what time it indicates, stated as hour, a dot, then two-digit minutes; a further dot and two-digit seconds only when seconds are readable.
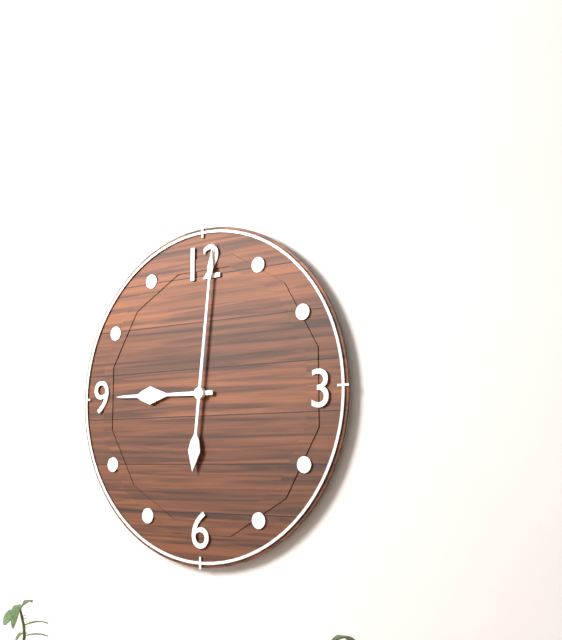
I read 9.01
